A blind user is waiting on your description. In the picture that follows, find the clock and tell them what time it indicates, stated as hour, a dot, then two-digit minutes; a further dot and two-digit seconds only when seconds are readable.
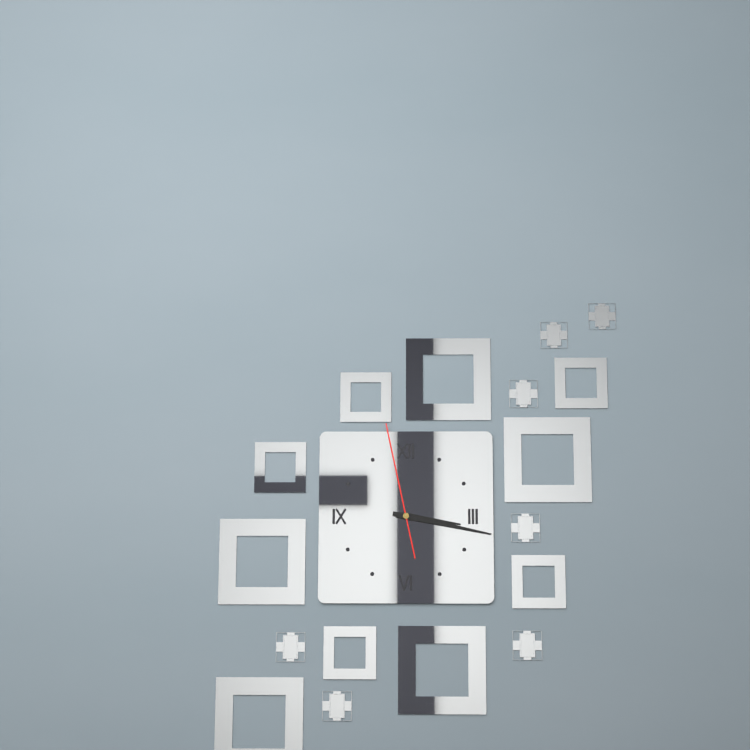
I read 3.17.58
